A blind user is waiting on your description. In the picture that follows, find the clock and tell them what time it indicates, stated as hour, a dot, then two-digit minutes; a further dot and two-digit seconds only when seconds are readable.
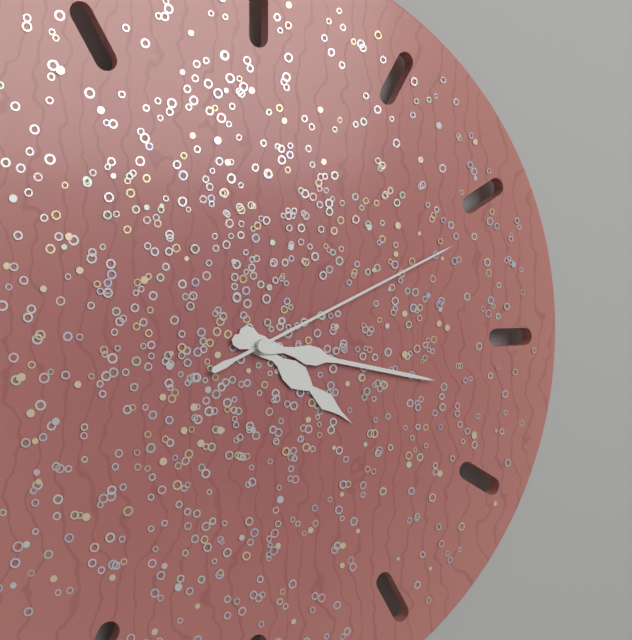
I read 4.17.11
